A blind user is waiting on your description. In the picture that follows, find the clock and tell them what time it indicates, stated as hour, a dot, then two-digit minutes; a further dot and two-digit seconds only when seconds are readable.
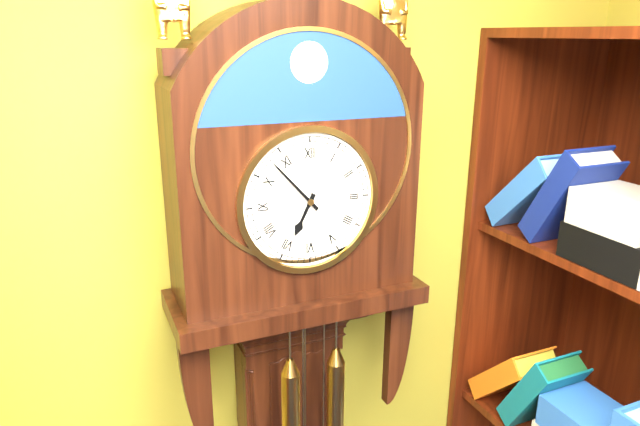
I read 6.53
